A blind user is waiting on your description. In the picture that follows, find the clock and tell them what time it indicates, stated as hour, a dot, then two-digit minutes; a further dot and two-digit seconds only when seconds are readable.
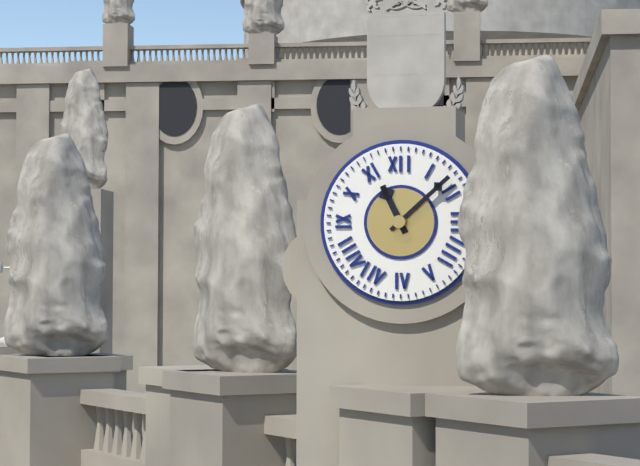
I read 11.08
